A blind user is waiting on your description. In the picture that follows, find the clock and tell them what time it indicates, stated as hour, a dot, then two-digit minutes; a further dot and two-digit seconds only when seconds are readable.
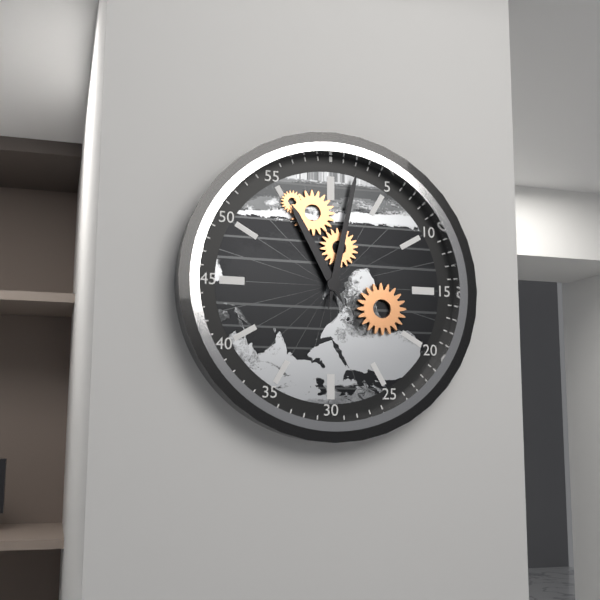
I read 11.02
